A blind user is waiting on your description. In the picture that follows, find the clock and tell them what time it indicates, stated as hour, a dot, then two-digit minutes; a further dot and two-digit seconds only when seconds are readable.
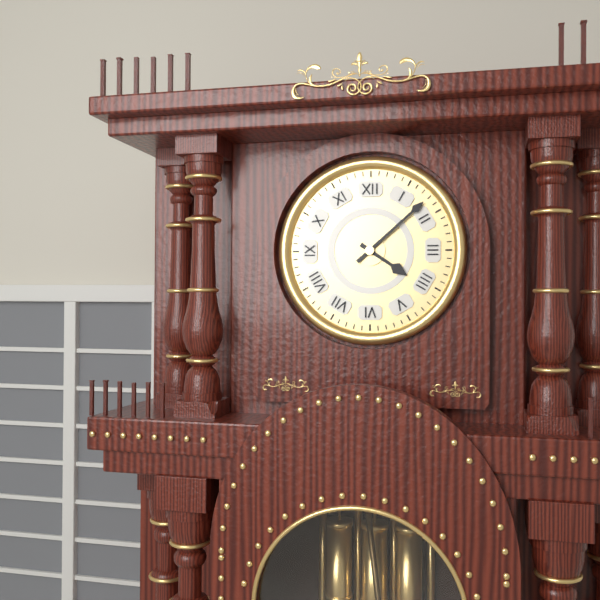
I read 4.08
